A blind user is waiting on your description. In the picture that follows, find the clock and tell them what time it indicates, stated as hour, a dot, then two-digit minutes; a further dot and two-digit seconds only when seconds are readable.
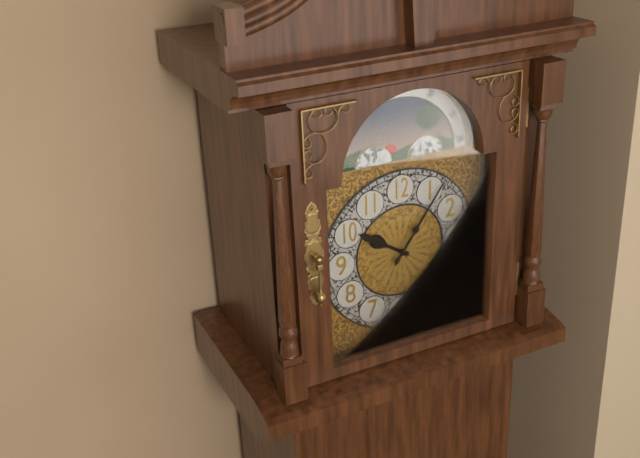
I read 10.06
